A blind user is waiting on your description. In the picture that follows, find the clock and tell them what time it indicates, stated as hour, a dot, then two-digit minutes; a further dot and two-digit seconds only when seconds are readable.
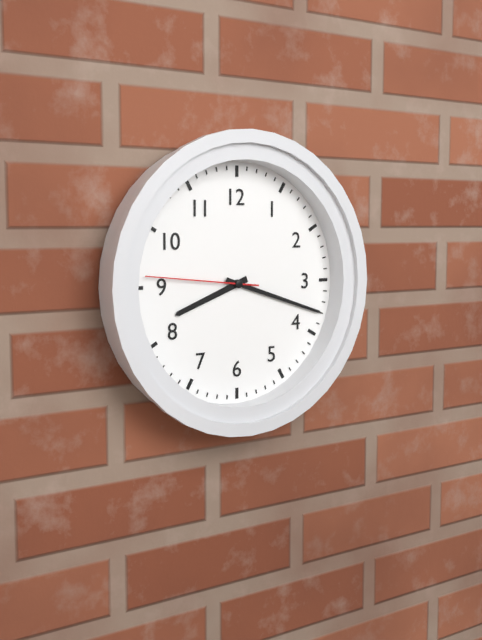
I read 8.18.46
